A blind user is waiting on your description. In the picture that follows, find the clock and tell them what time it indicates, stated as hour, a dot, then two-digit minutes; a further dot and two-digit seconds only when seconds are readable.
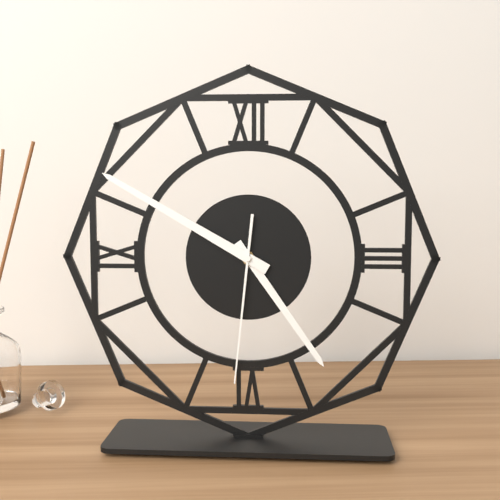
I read 4.50.31
